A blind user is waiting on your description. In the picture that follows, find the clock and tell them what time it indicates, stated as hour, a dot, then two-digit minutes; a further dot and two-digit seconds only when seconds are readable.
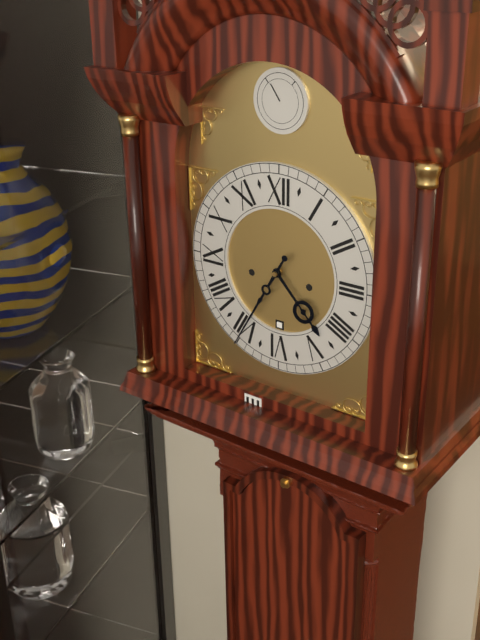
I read 4.35
